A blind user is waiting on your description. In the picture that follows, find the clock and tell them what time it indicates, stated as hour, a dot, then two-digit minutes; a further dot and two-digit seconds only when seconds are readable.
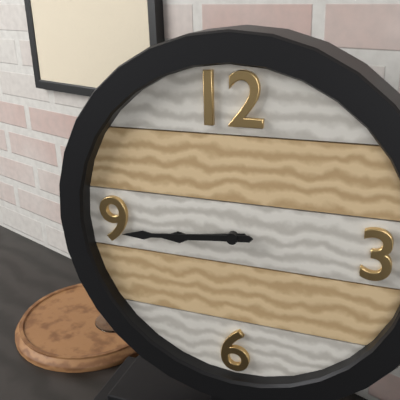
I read 8.44
